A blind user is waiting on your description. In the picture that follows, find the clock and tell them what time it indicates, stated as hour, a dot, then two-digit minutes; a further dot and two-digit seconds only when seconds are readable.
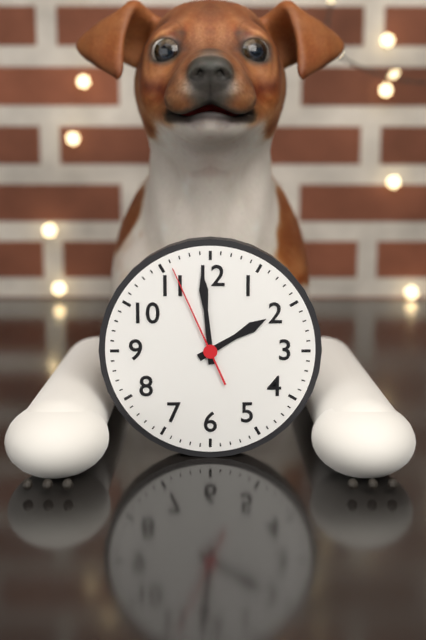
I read 1.59.56
